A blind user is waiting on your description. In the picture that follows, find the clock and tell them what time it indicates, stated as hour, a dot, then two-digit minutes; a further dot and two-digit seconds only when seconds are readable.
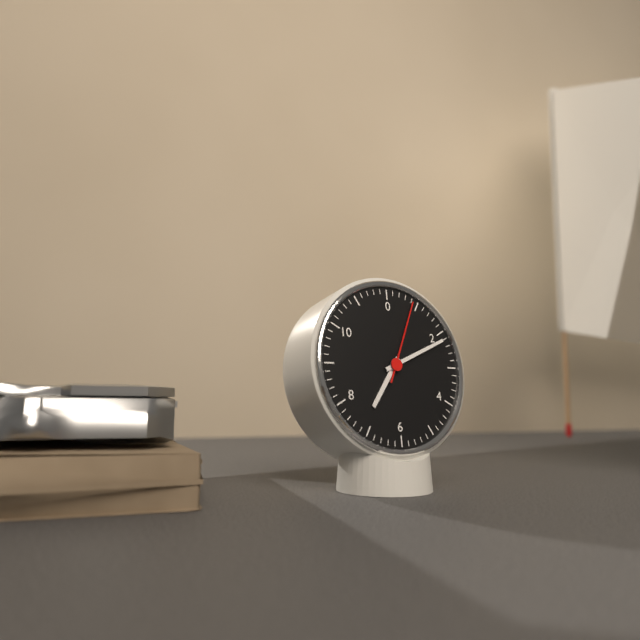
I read 7.11.04
